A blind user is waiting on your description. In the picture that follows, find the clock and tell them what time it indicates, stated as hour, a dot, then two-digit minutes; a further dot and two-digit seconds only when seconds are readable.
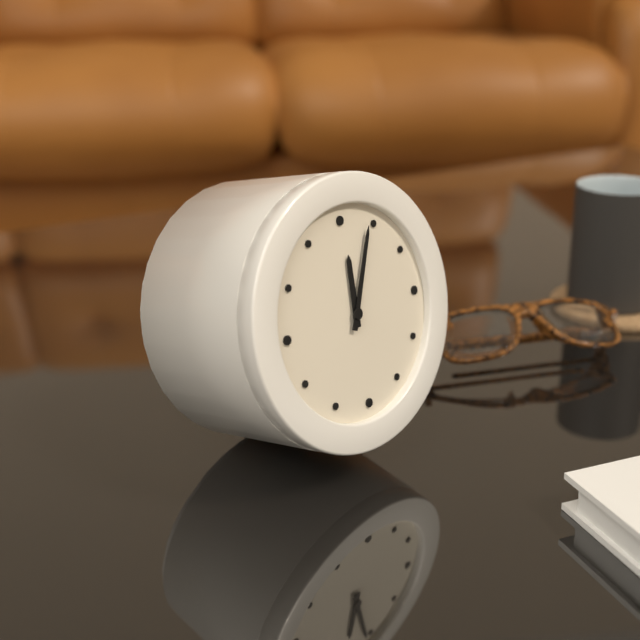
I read 12.04
